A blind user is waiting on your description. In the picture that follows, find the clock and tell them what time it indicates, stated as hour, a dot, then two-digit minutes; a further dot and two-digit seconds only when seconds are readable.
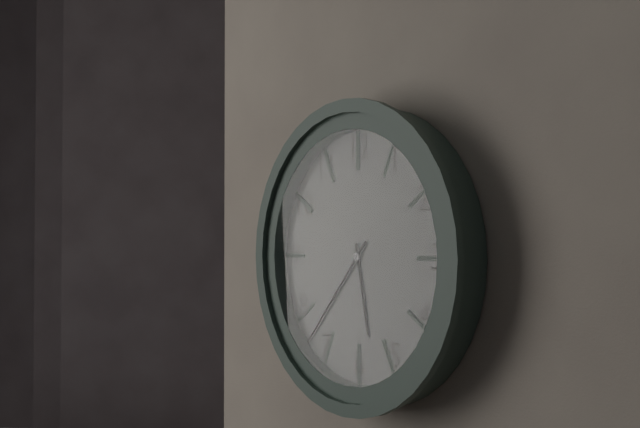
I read 5.37
